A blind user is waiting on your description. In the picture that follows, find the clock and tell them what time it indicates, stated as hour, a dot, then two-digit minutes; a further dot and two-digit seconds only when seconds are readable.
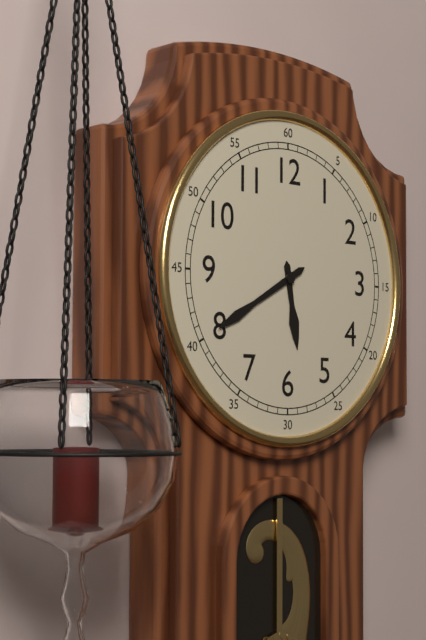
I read 5.40
